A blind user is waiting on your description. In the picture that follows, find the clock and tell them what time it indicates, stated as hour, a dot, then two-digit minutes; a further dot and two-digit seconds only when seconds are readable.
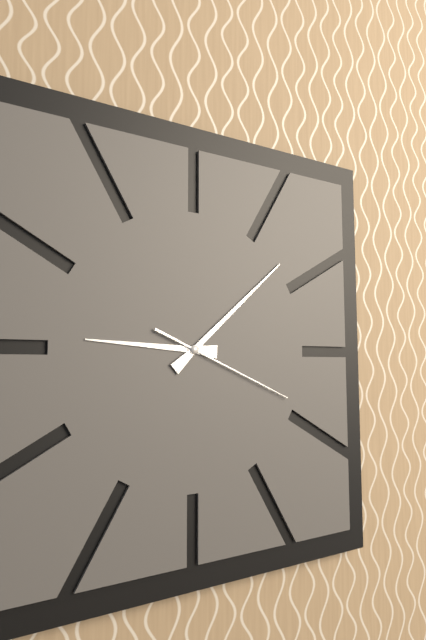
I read 9.08.19
